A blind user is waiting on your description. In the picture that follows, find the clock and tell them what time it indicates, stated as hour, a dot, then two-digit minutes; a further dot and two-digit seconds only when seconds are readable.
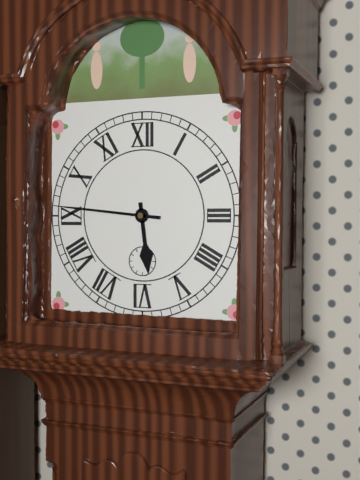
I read 5.46
